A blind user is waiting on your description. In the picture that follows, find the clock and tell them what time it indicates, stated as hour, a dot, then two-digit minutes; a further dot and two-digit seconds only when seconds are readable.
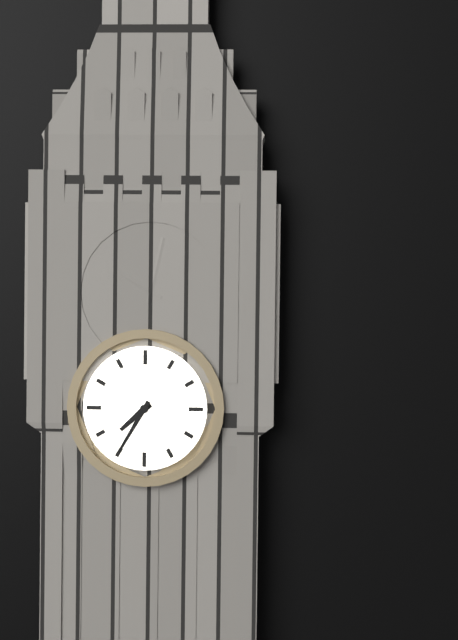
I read 7.35
